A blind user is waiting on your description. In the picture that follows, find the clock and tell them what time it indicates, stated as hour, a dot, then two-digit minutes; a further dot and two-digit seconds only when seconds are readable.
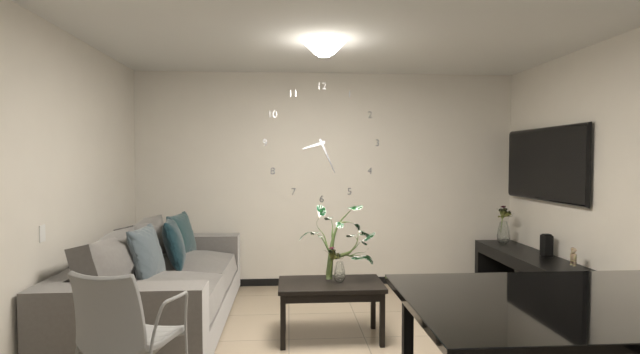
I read 8.26
